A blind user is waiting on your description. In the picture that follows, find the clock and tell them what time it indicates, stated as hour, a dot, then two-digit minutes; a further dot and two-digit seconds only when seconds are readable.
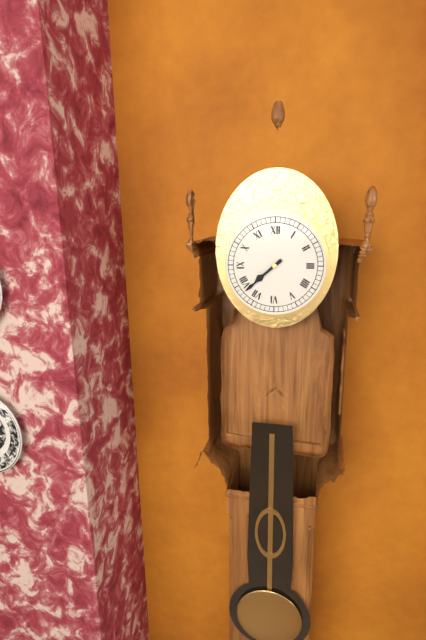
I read 7.38
